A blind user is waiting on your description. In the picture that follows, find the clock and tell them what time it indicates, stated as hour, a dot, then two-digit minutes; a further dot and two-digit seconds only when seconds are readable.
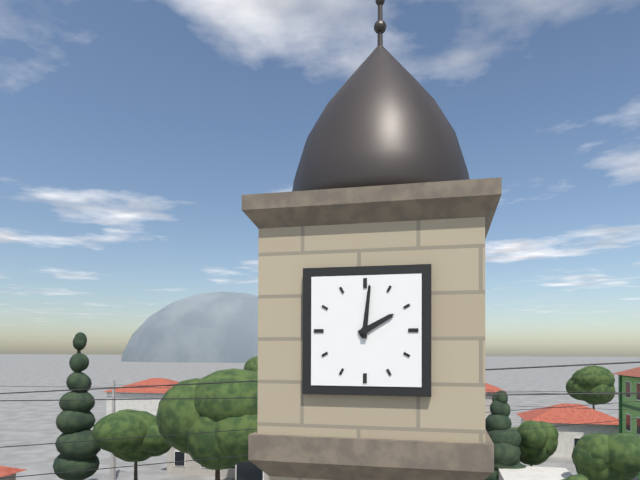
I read 2.01
